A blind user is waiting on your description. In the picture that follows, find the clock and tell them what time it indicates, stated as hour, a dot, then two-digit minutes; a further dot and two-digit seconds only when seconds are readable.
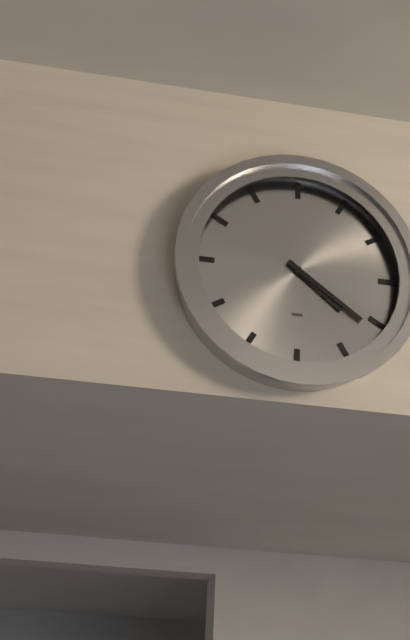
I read 4.21
